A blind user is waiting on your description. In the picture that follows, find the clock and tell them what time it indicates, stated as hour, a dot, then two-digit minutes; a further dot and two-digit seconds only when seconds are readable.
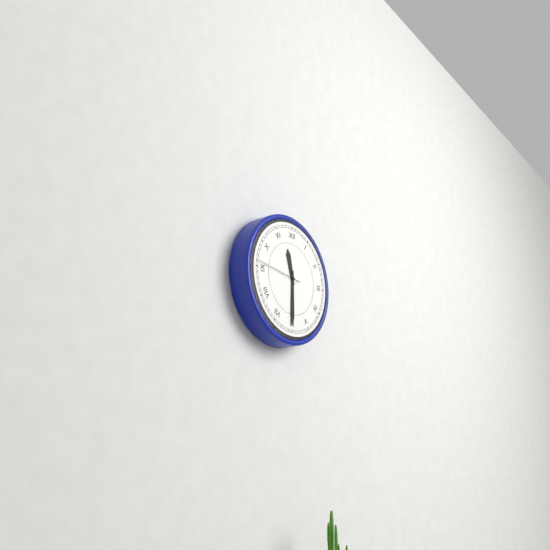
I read 11.30
